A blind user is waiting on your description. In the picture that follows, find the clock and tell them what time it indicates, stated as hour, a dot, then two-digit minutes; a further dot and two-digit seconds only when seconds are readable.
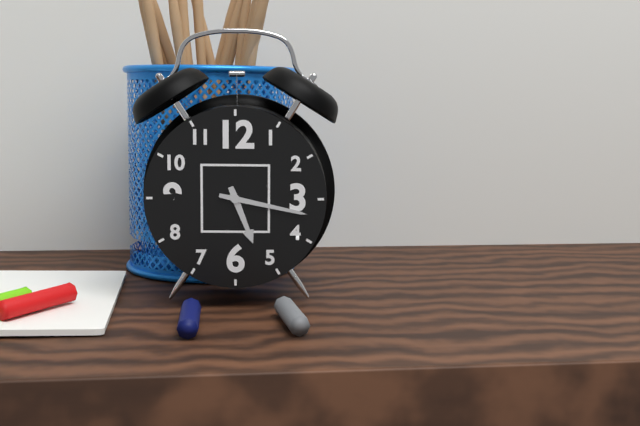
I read 5.17
